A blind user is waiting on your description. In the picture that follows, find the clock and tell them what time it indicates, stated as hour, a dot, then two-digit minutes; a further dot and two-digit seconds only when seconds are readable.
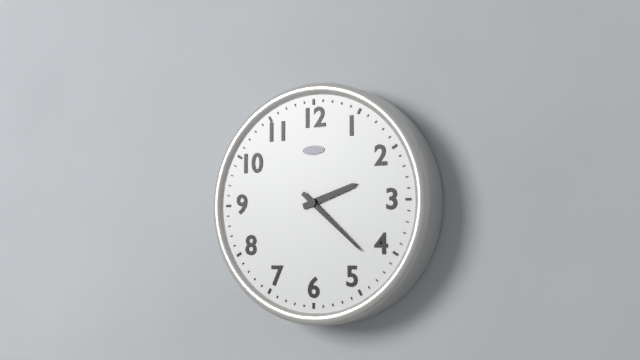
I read 2.22
